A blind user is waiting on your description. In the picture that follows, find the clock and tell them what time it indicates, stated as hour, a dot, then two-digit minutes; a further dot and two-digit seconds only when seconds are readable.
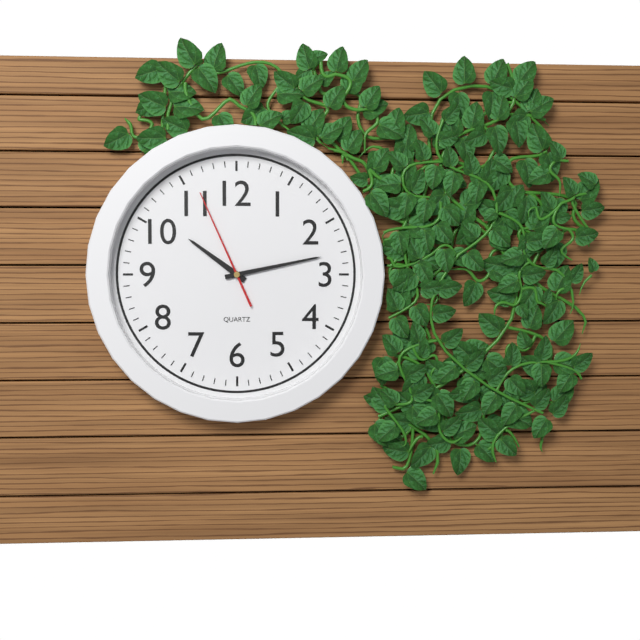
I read 10.13.56
